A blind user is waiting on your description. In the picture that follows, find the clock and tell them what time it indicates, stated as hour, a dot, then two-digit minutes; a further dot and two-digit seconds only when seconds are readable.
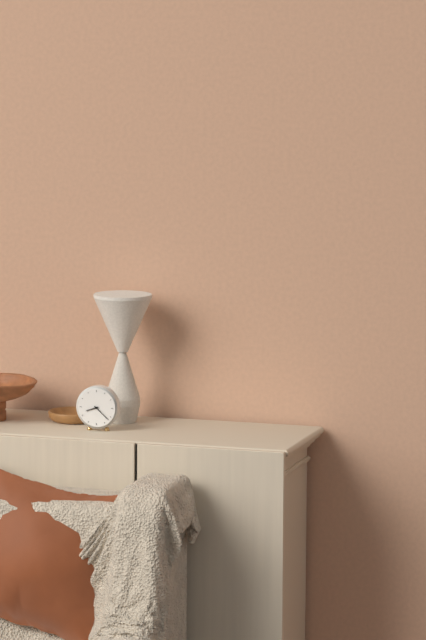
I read 8.22
